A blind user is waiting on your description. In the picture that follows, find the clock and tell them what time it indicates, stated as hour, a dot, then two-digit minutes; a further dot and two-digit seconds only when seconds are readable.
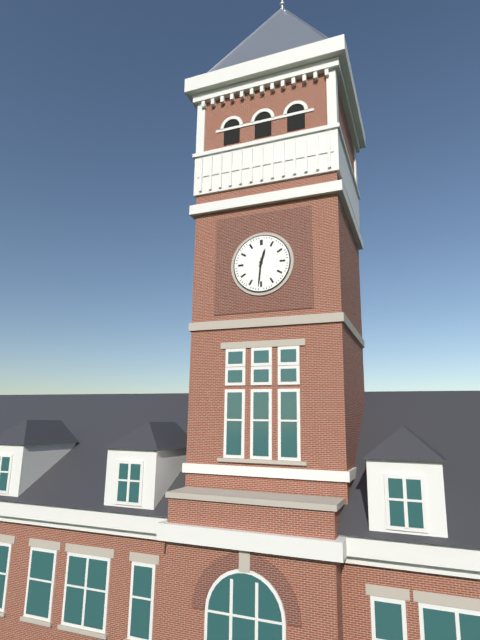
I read 12.31
